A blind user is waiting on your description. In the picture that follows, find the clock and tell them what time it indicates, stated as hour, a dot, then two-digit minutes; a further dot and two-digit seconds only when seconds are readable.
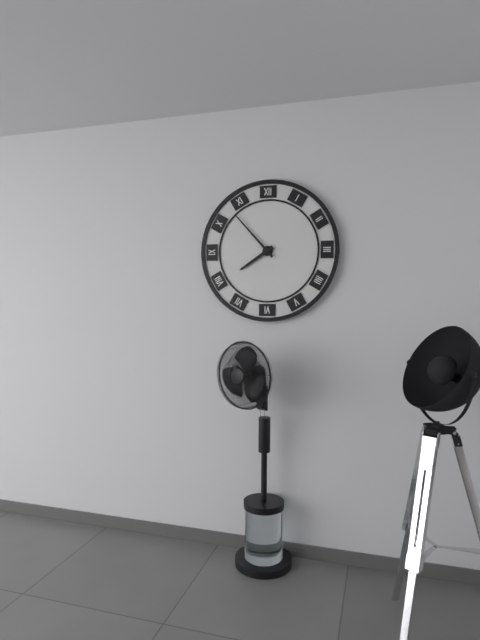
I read 7.53
